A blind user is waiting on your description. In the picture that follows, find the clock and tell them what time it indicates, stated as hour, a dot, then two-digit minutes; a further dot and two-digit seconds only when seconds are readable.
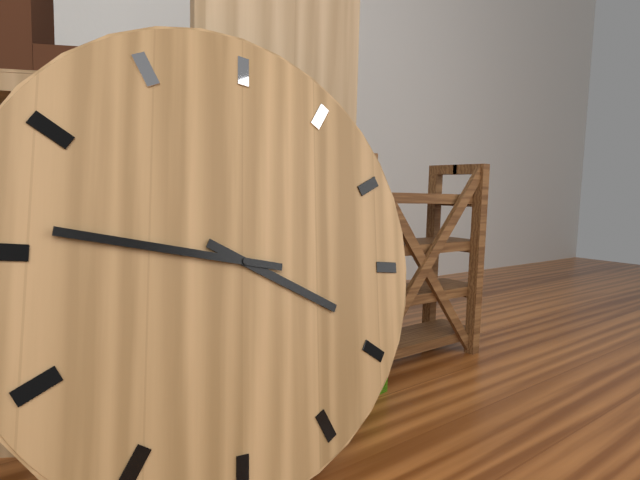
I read 3.46
